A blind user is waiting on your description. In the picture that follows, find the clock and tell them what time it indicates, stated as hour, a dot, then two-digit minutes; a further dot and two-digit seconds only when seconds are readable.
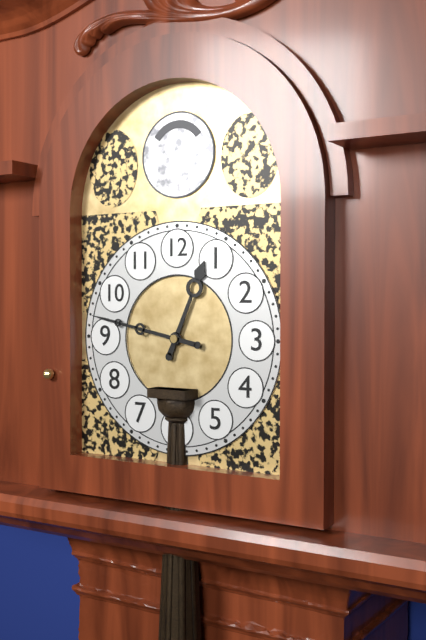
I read 12.47
